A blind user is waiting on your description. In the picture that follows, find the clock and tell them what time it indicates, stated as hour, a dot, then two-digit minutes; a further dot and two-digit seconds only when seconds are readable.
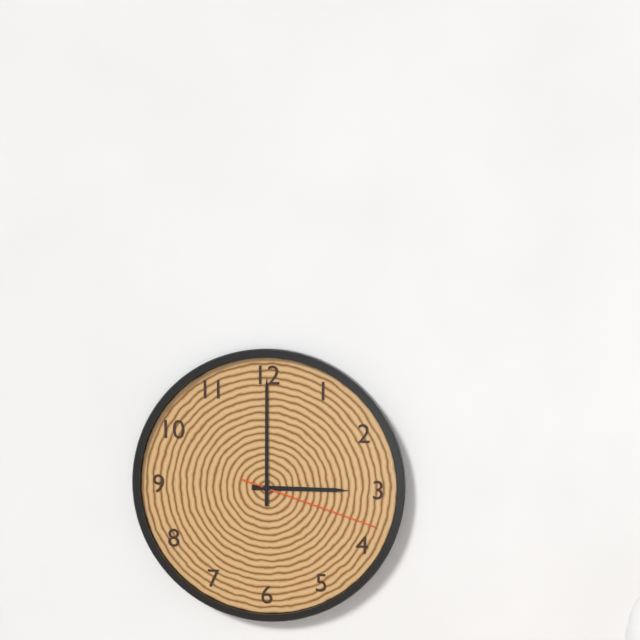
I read 3.00.18
